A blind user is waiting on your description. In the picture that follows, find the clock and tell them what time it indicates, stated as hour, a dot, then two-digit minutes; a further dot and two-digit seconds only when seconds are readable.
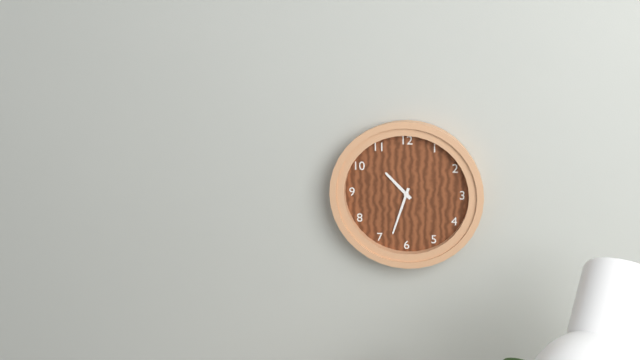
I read 10.33
